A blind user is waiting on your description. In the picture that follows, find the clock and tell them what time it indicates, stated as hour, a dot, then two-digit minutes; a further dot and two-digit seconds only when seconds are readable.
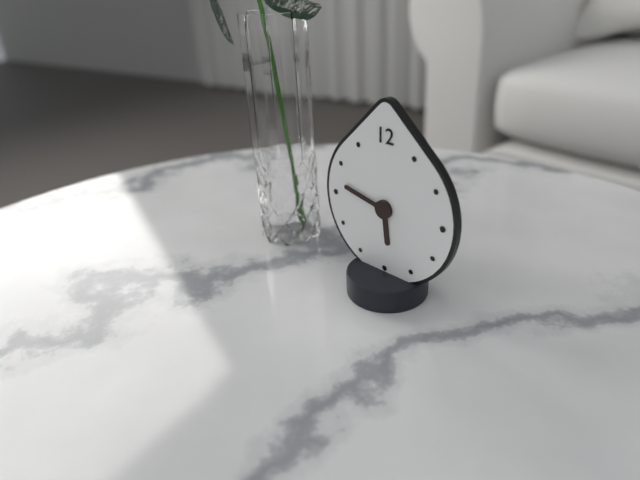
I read 5.47
